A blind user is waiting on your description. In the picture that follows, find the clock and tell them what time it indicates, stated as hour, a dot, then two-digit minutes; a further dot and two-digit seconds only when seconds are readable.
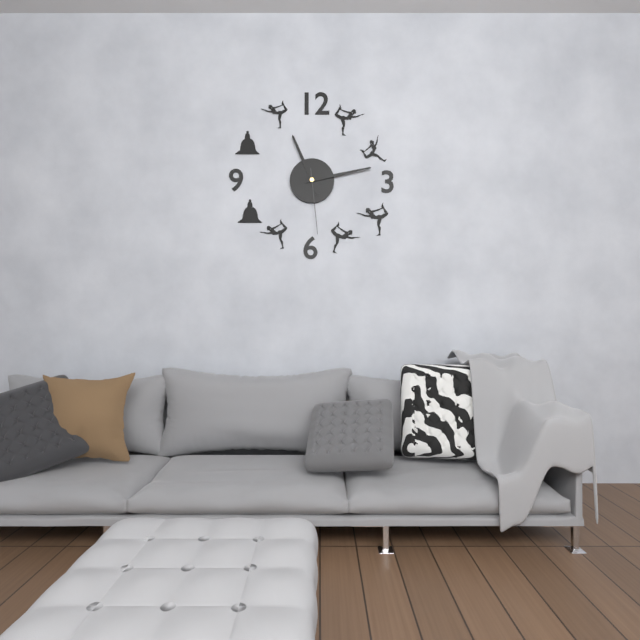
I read 11.13.29
